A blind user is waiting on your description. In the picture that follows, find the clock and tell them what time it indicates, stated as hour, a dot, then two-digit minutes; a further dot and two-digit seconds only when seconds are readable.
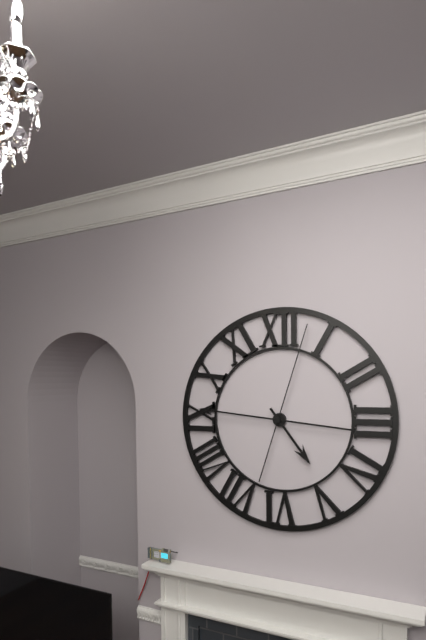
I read 4.46.03
